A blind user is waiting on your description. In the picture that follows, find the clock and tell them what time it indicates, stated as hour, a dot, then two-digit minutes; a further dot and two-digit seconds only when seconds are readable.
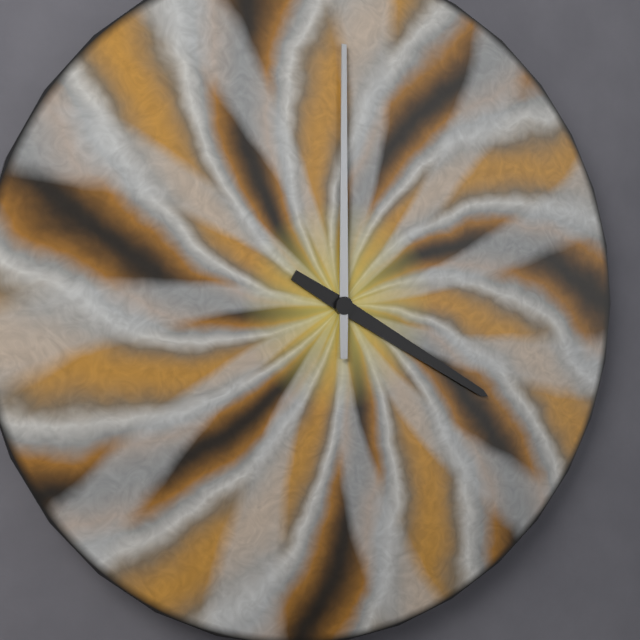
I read 4.00
